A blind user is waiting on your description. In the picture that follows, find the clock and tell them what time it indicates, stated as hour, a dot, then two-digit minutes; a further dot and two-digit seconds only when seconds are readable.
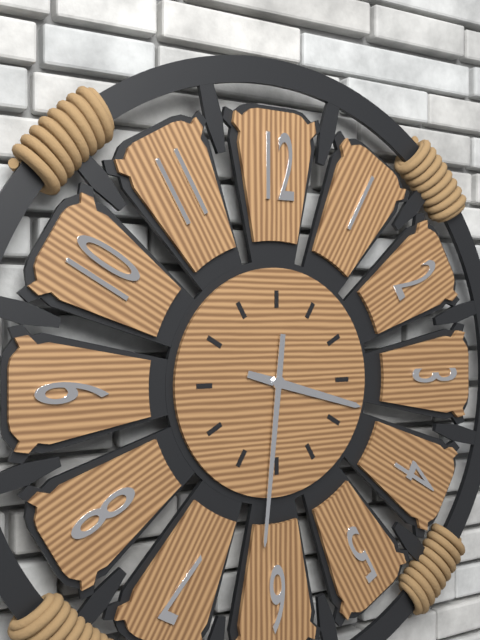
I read 3.31
